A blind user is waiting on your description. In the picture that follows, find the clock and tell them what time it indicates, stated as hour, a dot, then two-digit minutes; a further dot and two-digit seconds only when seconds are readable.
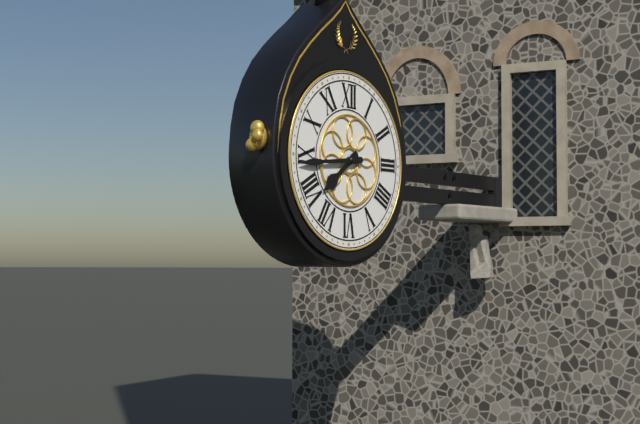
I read 7.44
